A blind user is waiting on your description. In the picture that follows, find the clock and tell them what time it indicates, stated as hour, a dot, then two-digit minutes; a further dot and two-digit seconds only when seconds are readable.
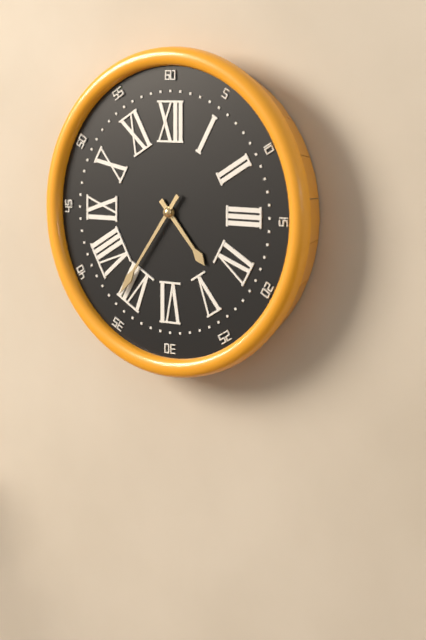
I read 4.36
